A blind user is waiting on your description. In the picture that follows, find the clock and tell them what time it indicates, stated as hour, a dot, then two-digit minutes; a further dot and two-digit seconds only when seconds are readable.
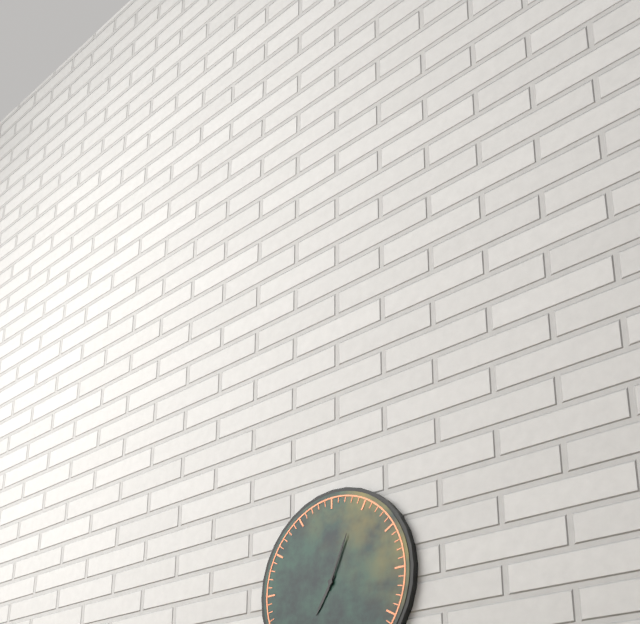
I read 7.04
